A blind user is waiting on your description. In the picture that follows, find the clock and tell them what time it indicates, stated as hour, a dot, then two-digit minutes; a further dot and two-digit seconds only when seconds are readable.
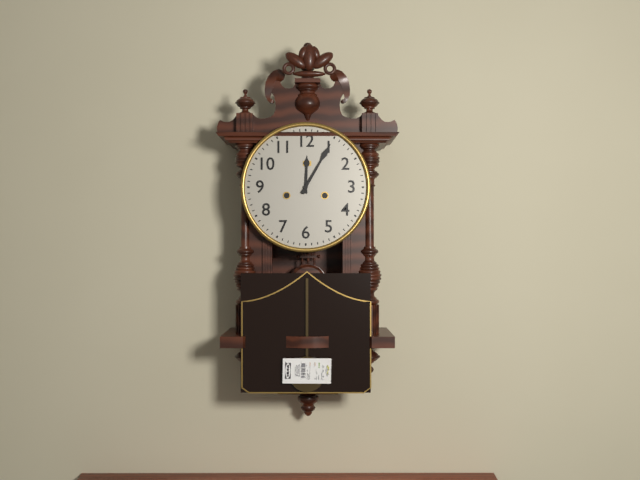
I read 12.05
